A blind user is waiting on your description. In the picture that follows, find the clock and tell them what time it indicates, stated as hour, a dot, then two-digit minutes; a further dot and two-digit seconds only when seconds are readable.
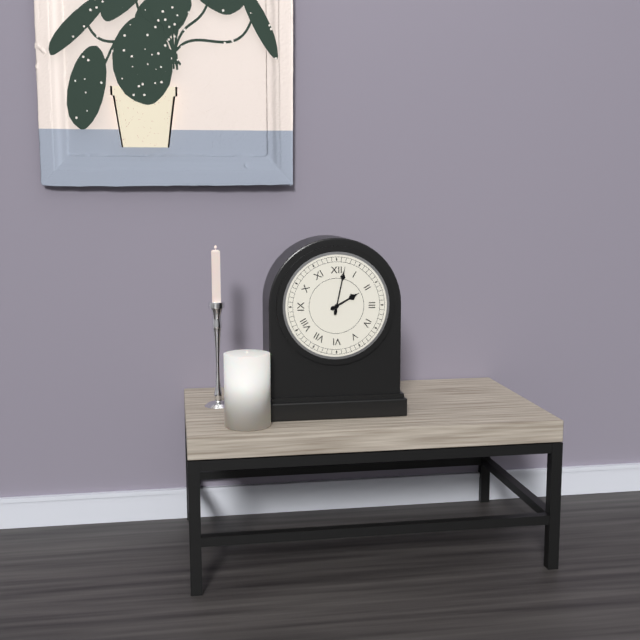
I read 2.02
